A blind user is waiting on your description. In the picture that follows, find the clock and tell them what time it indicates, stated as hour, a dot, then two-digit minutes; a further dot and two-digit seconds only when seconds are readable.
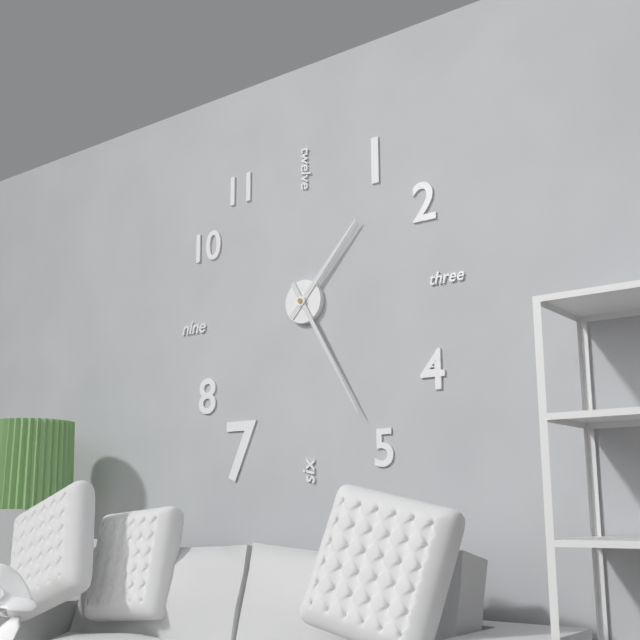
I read 1.25
